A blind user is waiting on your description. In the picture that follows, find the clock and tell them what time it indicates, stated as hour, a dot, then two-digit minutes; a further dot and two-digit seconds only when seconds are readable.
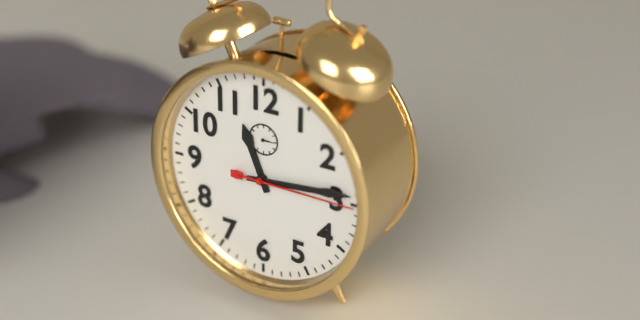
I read 11.14.15
